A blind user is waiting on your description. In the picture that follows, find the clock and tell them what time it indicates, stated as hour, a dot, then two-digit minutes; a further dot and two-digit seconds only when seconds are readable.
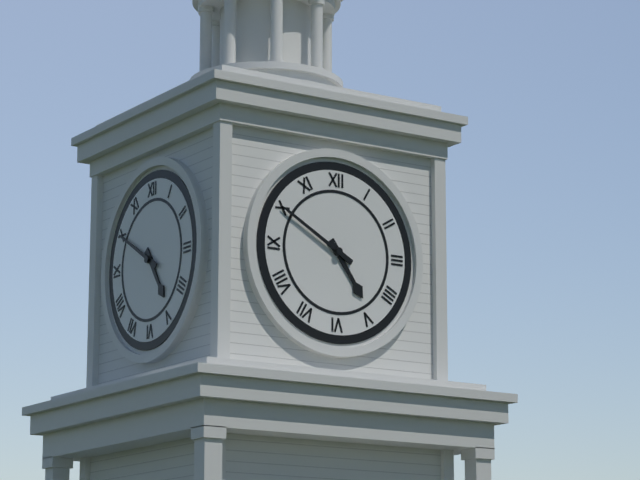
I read 4.50
